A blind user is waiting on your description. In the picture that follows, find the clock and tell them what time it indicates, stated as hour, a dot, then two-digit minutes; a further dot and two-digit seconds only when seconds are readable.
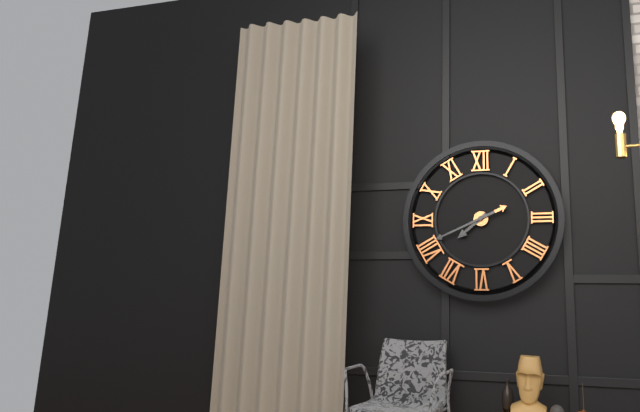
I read 7.41
